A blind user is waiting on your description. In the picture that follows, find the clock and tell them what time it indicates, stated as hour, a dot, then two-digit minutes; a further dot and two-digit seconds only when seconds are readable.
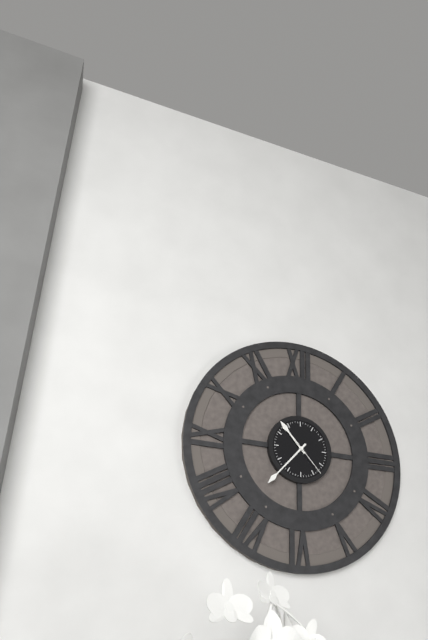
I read 10.37
